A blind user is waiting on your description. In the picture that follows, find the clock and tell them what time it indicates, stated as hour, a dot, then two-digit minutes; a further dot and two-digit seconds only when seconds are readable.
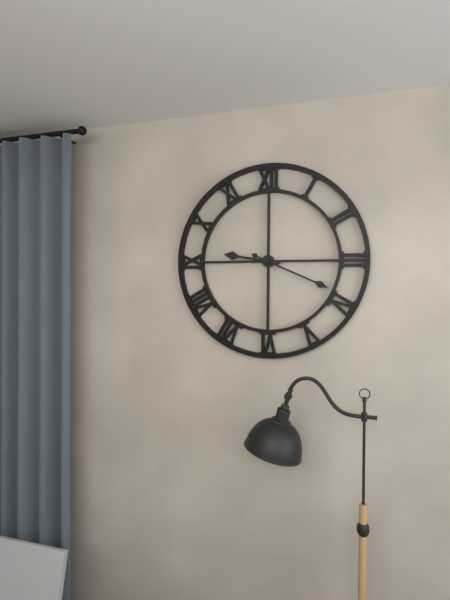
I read 9.19
